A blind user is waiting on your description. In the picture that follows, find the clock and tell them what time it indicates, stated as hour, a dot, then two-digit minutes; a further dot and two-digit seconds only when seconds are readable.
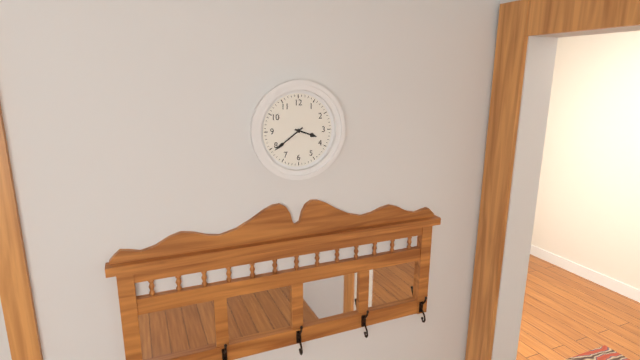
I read 3.39
